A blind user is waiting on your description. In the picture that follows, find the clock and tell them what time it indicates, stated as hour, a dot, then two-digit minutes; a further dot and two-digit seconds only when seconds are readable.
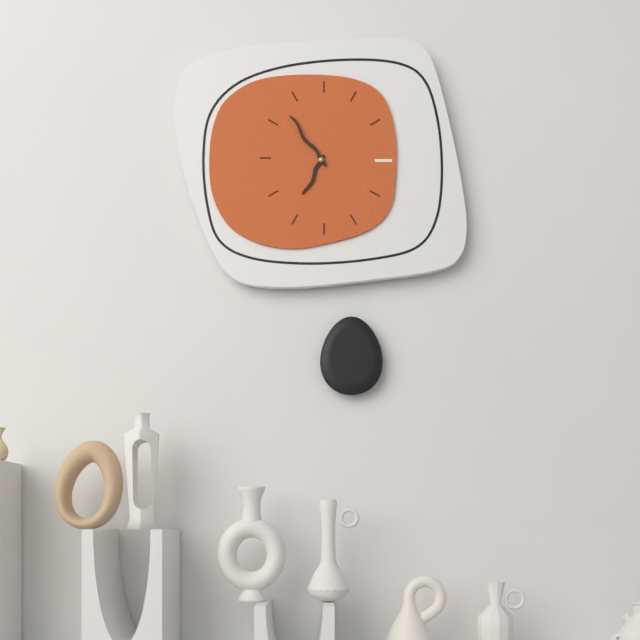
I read 6.54
